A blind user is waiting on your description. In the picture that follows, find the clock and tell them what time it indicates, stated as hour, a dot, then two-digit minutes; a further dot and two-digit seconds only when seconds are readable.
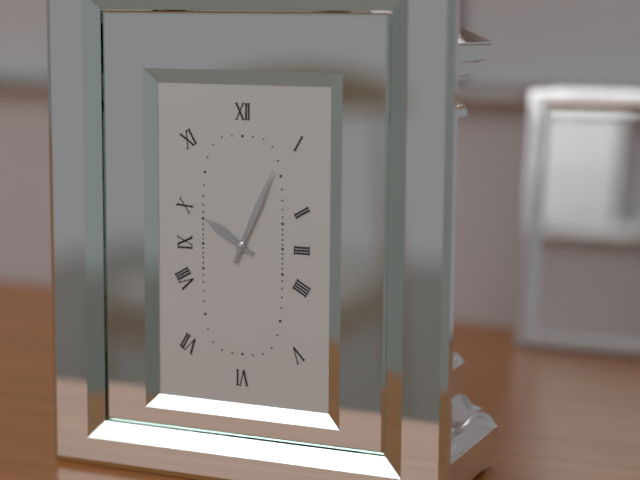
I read 10.04
